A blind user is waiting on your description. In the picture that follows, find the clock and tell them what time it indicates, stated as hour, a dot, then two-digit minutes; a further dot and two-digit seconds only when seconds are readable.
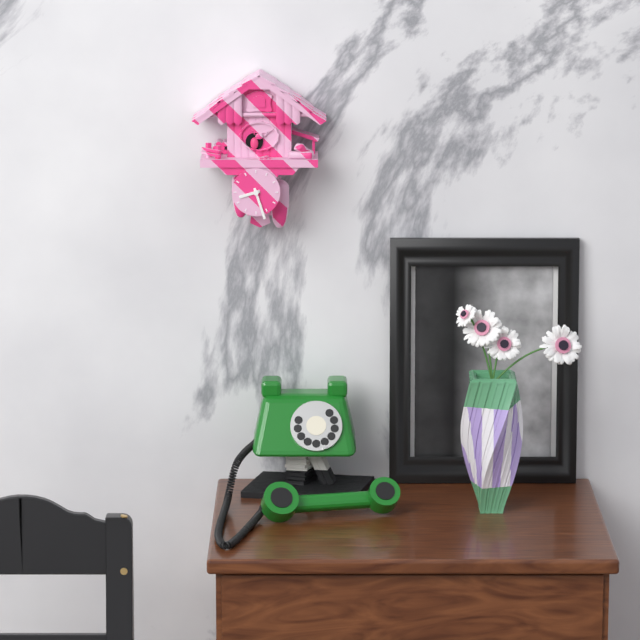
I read 8.27
